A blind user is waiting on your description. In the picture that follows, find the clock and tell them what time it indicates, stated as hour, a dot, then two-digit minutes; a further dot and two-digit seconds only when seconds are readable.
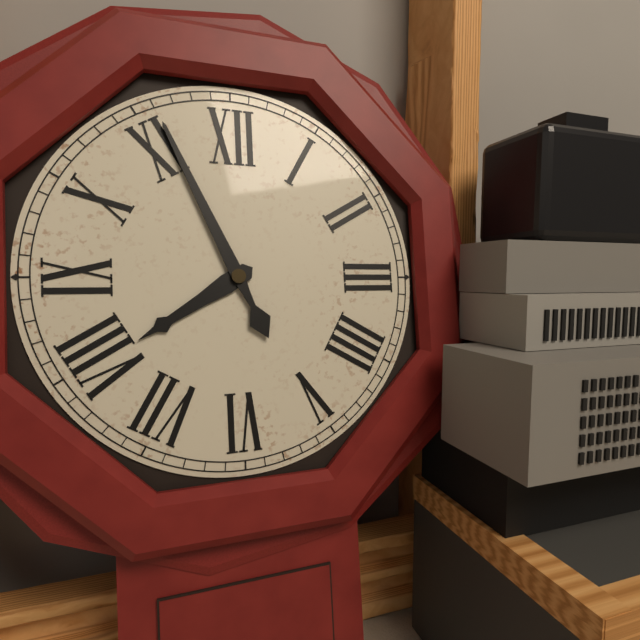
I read 7.56
